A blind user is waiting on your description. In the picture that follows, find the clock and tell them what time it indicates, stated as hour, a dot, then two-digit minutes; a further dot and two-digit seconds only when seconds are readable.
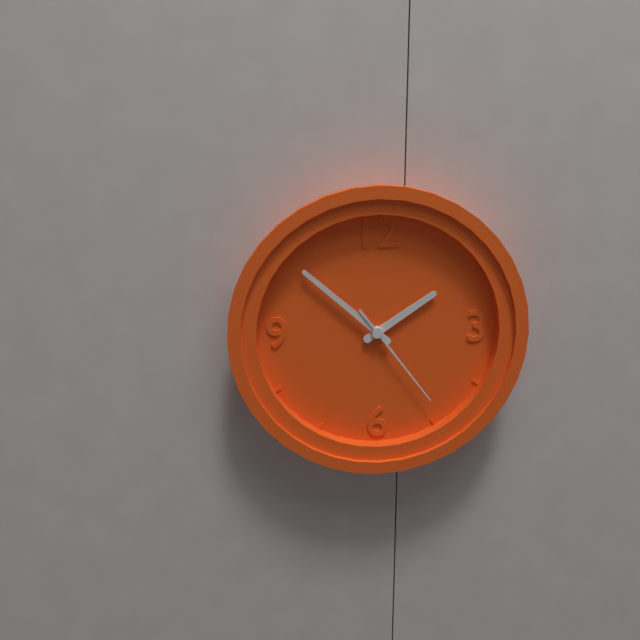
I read 1.52.24
